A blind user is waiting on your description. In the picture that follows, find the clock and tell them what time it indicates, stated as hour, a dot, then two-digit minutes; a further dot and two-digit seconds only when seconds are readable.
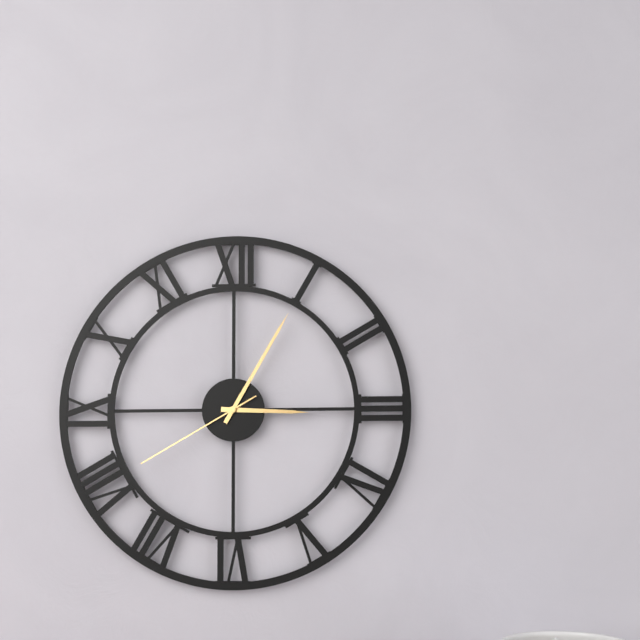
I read 3.05.40
